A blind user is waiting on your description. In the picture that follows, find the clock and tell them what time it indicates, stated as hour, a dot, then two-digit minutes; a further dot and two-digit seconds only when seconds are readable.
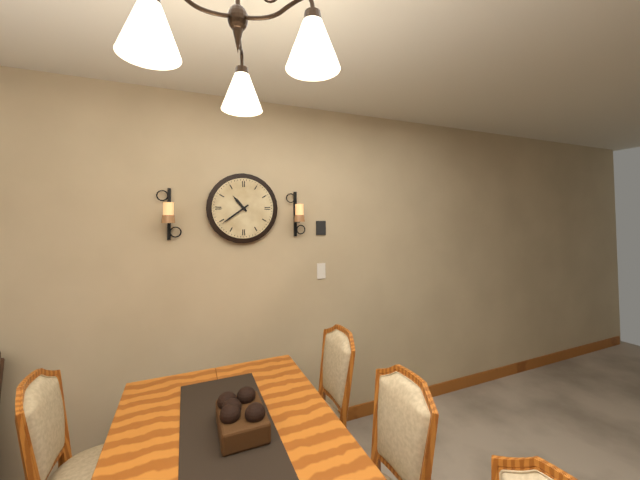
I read 10.39
